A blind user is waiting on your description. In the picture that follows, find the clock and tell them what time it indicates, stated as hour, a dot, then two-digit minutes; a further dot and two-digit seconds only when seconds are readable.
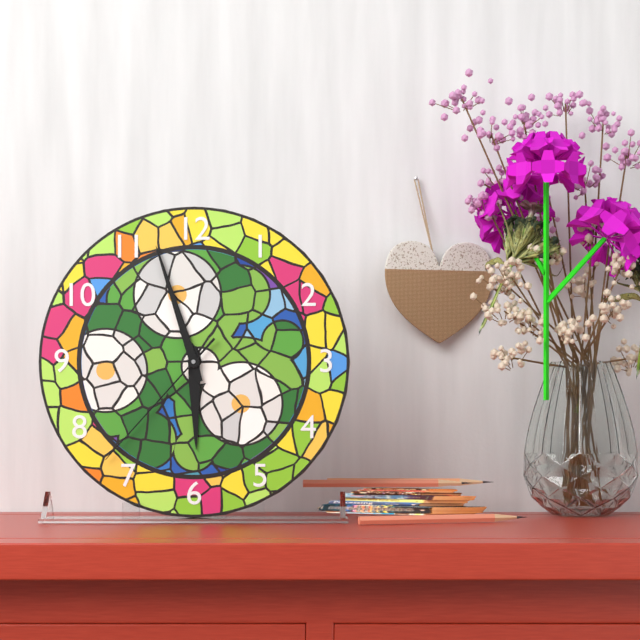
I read 5.57.37
